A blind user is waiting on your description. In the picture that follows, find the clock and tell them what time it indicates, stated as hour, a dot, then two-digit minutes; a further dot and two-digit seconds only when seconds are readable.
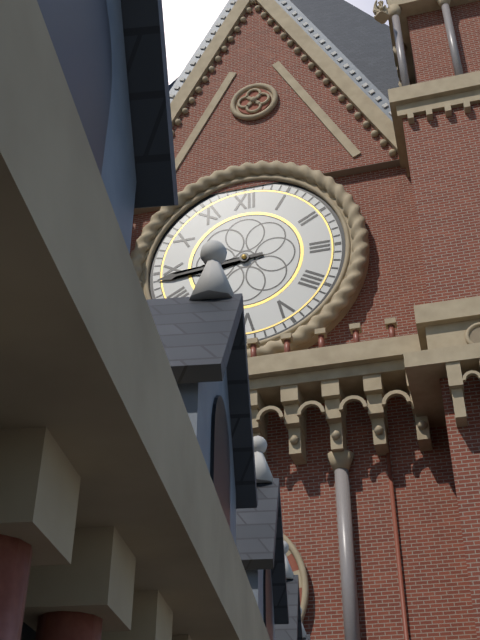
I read 8.44
